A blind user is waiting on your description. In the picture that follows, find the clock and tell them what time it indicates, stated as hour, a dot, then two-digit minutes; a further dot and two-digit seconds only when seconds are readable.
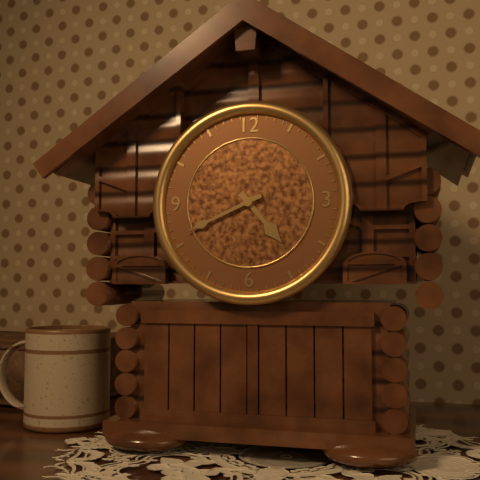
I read 4.41
